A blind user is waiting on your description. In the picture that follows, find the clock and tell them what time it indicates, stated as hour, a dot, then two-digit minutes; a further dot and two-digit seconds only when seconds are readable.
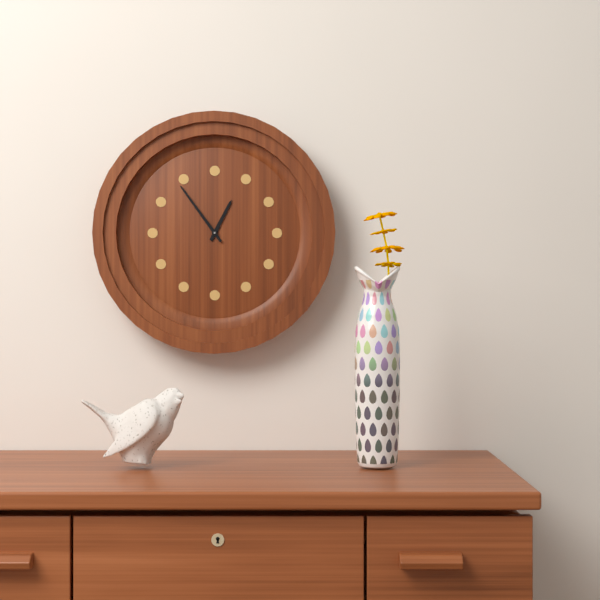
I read 12.54
